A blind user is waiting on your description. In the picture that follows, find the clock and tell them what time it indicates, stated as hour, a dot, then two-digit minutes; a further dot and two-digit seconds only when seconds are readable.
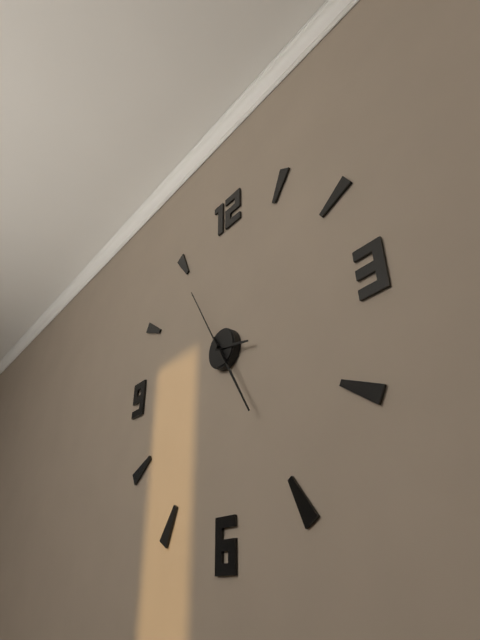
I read 3.25.55
